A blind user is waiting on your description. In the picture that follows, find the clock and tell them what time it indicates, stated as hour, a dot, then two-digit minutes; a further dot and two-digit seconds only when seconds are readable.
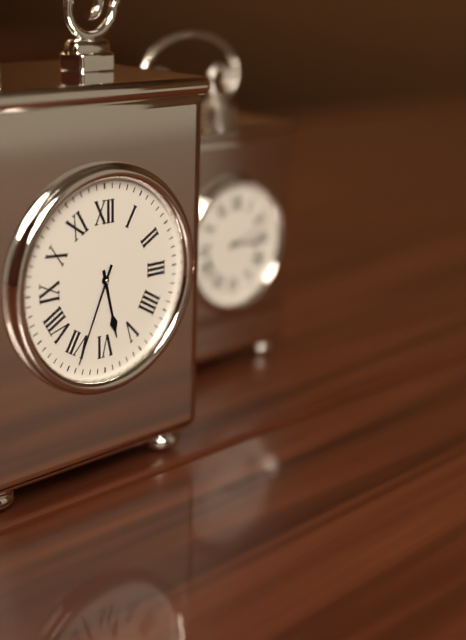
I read 5.34
